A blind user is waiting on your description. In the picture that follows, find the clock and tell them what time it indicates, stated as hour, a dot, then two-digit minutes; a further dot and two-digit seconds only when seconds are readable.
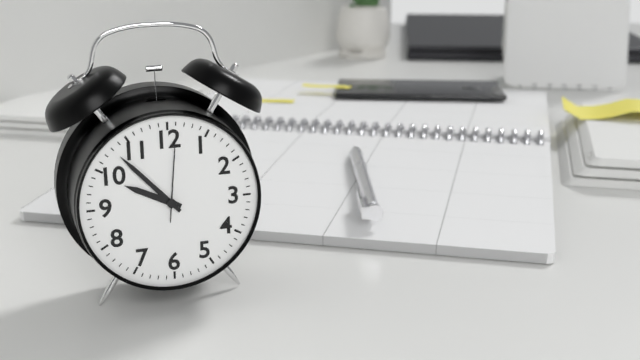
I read 9.53.01
